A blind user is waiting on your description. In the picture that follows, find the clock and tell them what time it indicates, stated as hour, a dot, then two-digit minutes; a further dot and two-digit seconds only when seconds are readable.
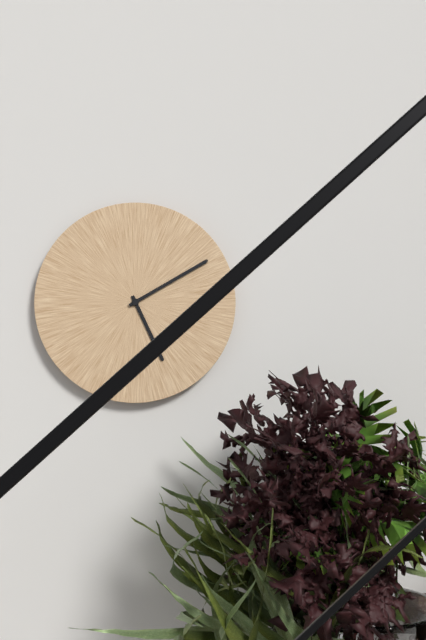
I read 5.10
